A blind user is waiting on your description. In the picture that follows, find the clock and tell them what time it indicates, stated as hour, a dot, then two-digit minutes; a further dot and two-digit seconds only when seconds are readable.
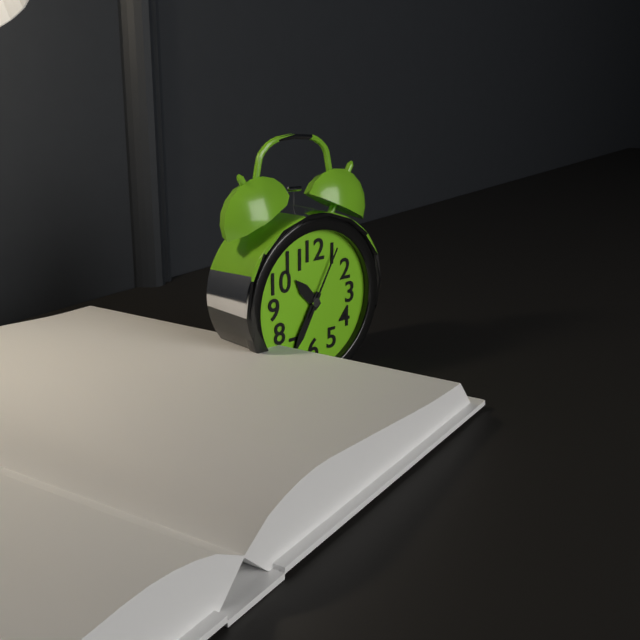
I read 10.35.05
